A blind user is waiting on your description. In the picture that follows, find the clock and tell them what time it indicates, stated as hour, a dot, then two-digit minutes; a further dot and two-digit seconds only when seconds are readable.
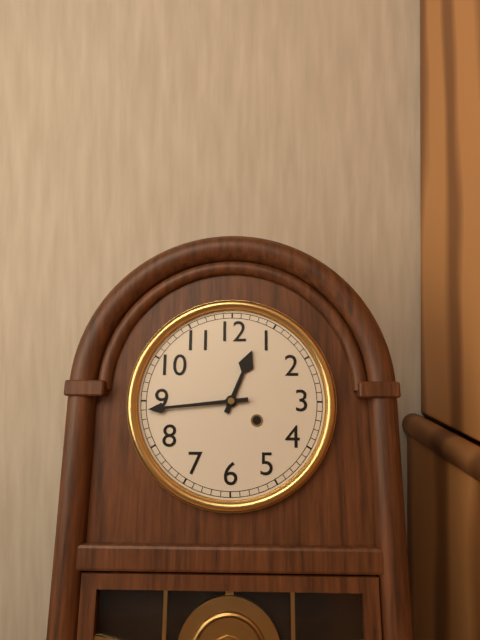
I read 12.44
